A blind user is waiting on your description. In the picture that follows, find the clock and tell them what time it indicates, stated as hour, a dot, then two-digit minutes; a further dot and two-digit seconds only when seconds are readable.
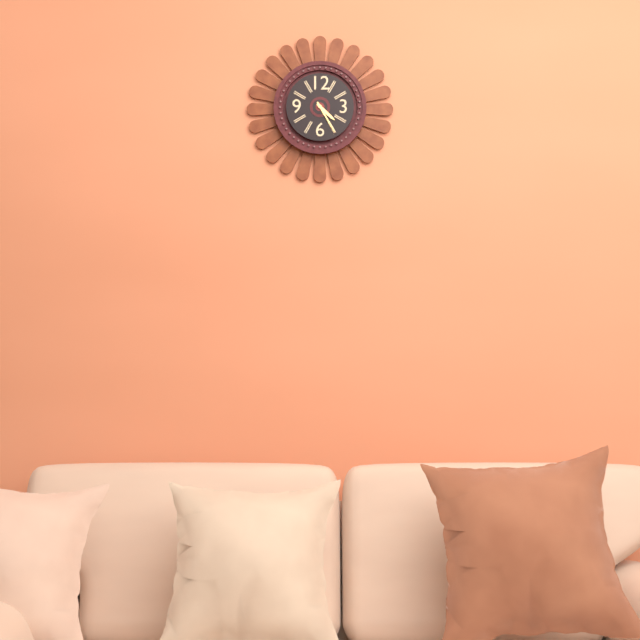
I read 4.25
